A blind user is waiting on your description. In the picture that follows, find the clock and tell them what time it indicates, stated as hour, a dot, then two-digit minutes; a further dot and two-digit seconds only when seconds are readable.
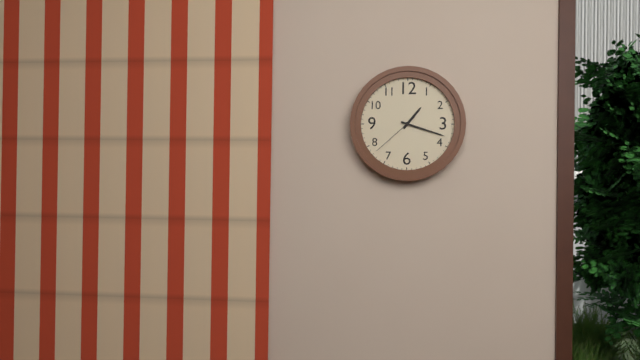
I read 1.18.38
